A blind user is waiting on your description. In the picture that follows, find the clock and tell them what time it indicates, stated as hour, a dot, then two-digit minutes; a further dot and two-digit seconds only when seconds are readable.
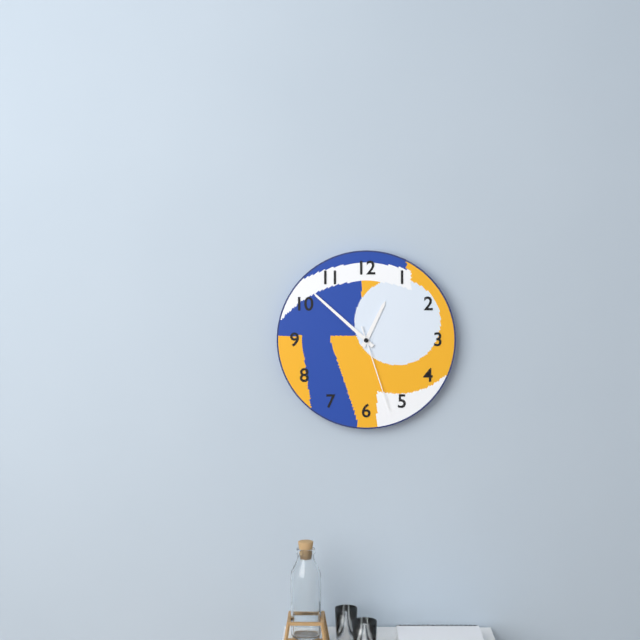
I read 12.52.27
